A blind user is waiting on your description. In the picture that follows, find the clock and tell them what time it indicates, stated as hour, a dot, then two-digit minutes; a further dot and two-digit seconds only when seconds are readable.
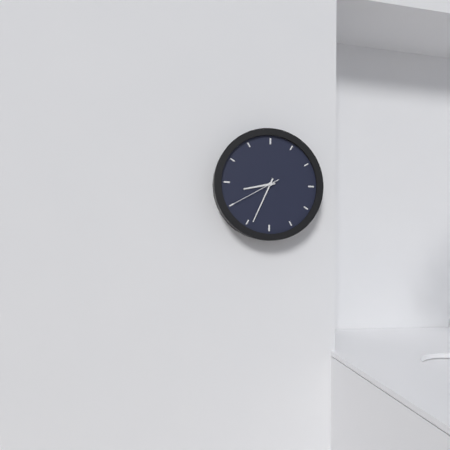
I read 8.34.40
